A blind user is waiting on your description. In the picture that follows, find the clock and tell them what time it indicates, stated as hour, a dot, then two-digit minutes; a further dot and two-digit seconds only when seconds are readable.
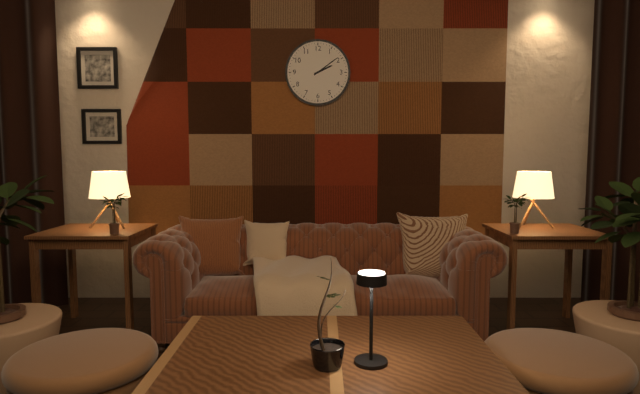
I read 2.09
